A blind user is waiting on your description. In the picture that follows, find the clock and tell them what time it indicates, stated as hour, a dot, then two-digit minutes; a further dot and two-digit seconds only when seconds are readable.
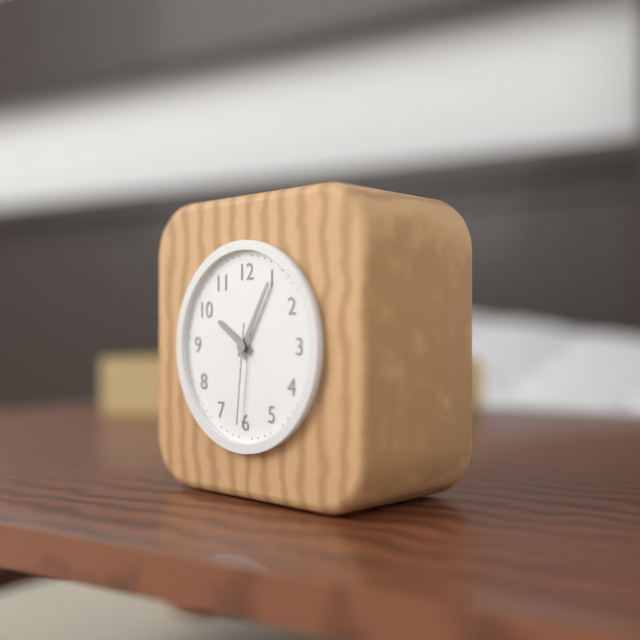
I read 10.05.31
